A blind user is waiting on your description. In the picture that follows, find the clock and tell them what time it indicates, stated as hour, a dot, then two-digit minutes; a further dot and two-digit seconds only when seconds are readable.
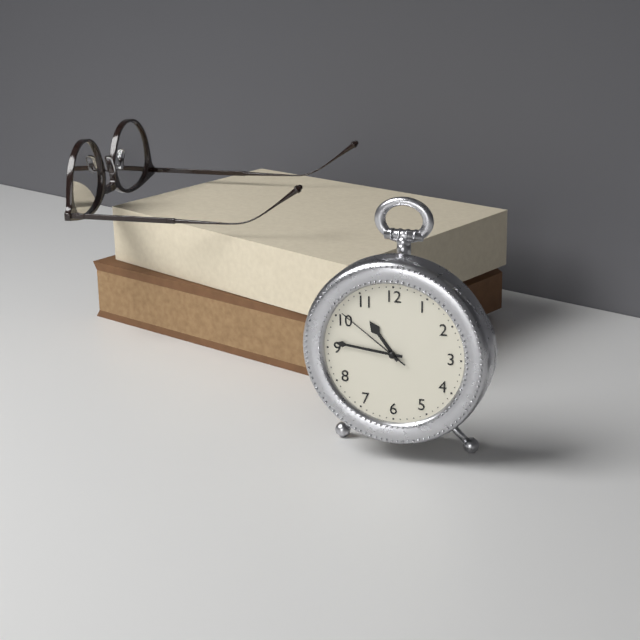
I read 10.46.51
